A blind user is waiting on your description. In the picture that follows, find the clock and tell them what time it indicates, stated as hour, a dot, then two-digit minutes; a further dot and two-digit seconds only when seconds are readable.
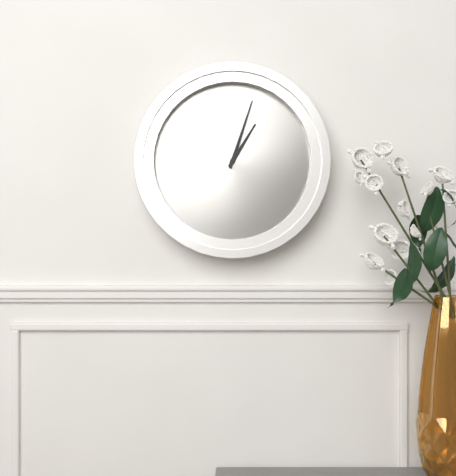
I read 1.03
